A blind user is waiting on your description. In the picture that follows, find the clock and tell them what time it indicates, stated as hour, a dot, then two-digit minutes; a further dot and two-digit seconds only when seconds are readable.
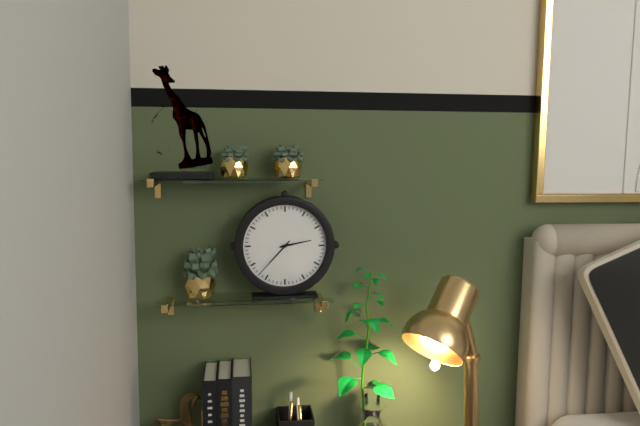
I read 2.37
